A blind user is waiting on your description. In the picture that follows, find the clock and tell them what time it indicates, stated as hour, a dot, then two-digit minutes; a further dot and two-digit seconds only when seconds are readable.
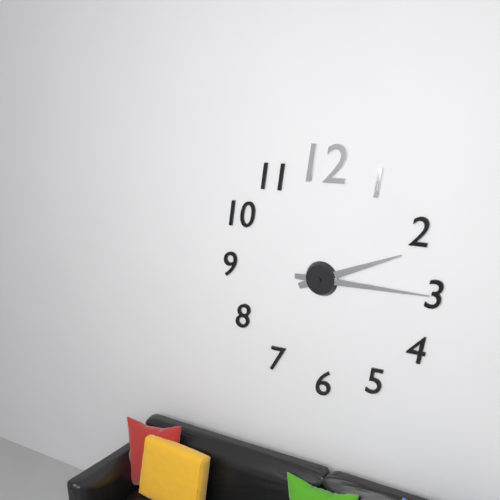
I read 2.15
